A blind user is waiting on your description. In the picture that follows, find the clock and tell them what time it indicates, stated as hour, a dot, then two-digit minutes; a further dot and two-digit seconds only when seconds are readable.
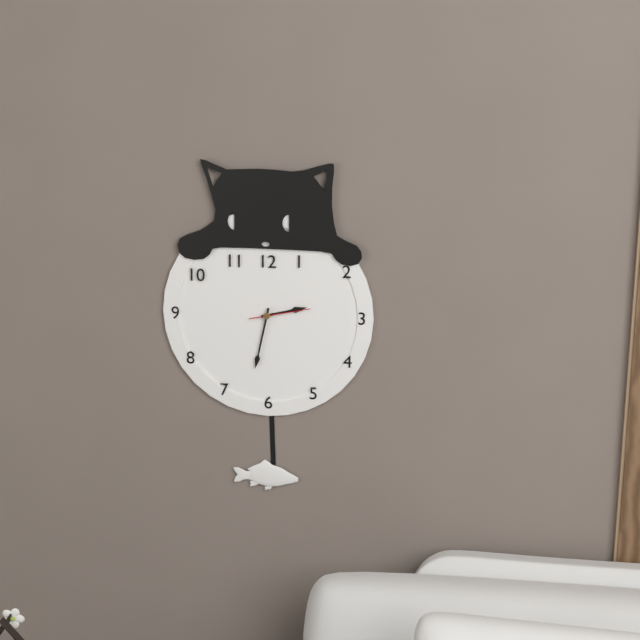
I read 2.32.13
